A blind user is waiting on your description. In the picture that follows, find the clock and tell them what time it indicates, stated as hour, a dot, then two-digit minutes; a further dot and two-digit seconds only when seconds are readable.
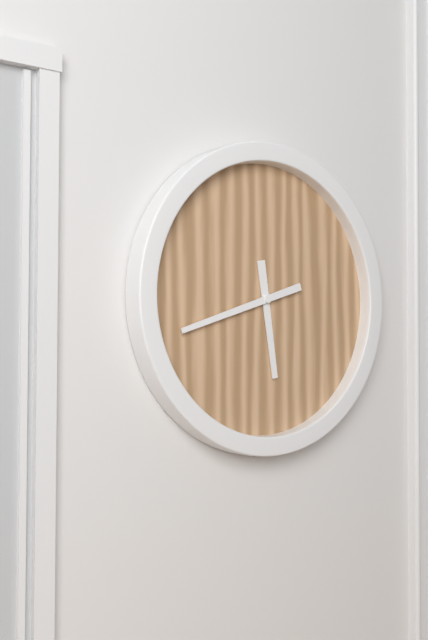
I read 5.42
